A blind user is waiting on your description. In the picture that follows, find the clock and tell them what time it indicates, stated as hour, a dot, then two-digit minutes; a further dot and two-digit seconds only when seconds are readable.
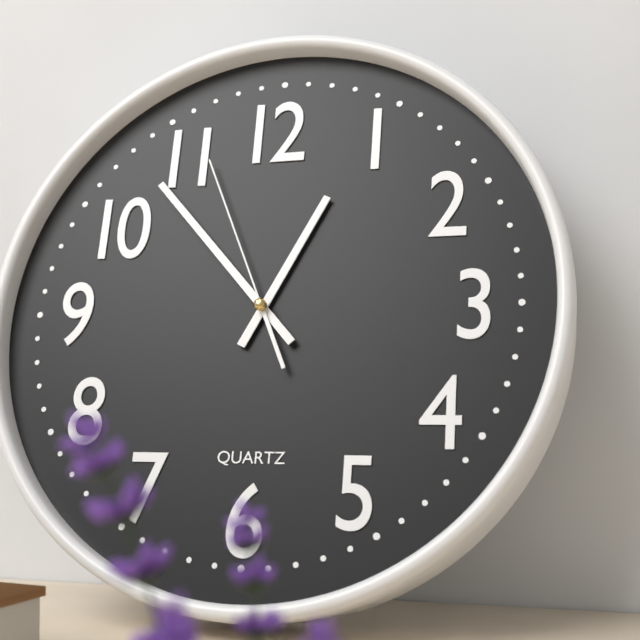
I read 12.53.56
